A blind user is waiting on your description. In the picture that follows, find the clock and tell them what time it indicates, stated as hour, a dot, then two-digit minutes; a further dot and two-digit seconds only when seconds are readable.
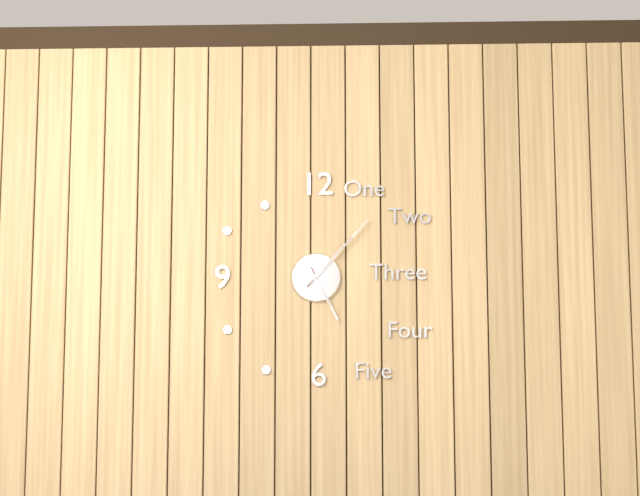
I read 5.07
